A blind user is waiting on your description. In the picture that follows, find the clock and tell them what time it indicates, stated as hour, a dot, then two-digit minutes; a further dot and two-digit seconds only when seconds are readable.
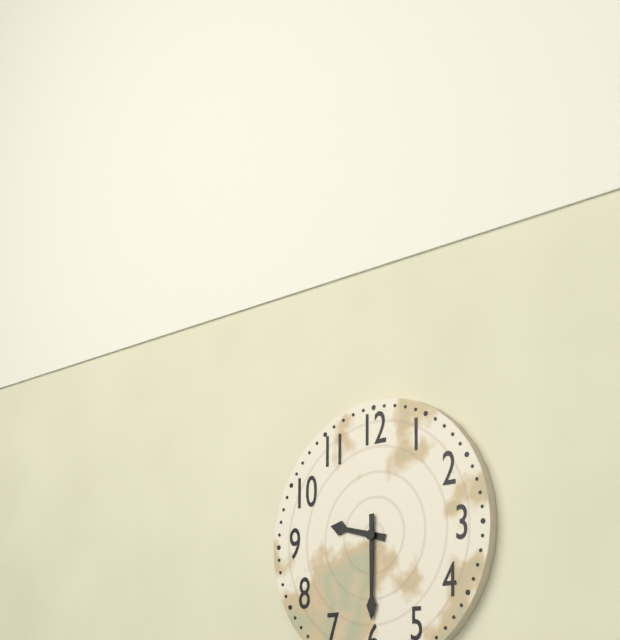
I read 9.30
